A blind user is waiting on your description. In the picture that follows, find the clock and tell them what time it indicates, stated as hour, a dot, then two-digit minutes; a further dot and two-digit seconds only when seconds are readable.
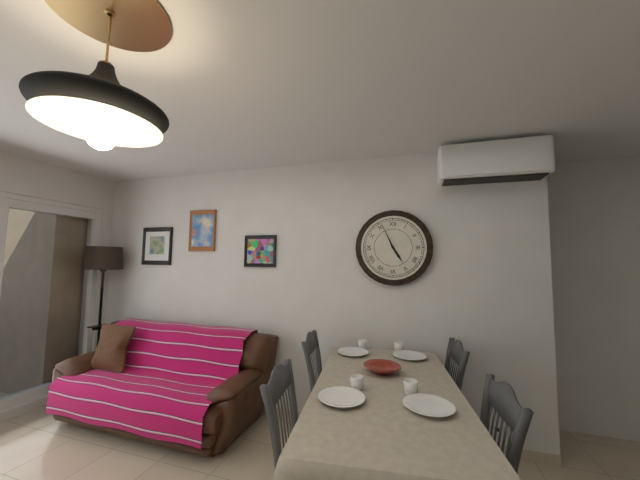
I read 4.56
